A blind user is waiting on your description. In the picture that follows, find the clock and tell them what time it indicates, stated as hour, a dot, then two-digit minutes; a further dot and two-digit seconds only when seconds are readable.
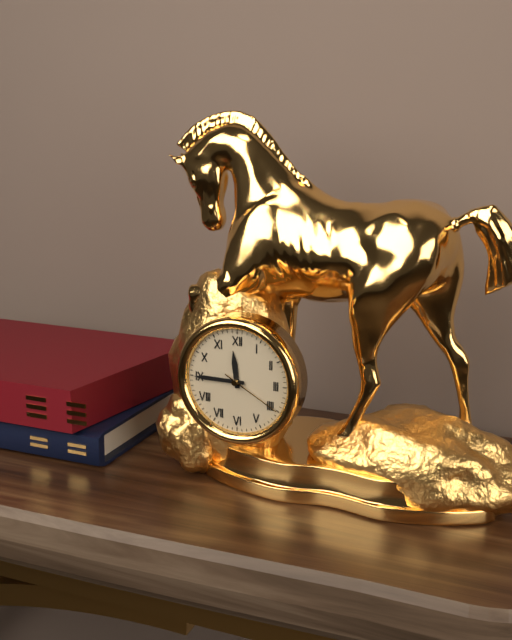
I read 11.45.20
